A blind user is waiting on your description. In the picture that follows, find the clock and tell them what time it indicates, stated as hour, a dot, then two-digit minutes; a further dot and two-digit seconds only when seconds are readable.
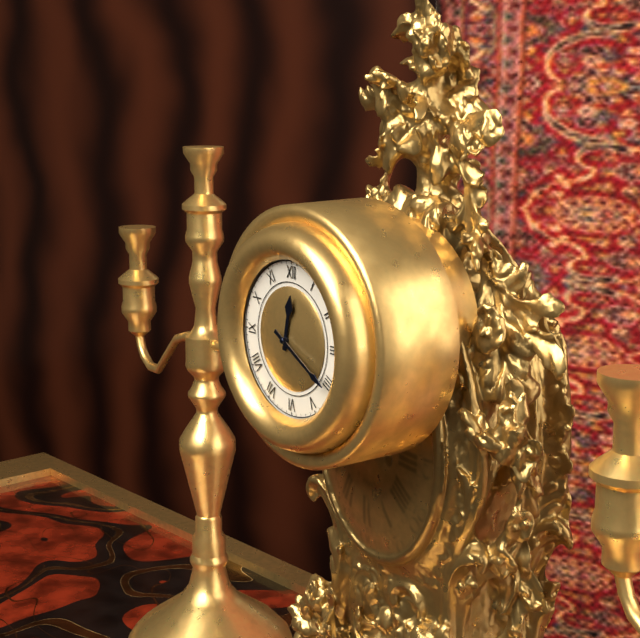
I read 12.20
